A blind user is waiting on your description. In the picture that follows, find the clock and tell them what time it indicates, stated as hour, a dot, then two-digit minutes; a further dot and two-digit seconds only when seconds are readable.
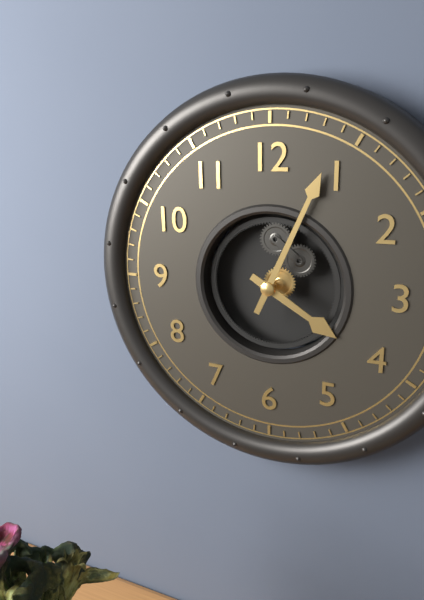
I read 4.04
